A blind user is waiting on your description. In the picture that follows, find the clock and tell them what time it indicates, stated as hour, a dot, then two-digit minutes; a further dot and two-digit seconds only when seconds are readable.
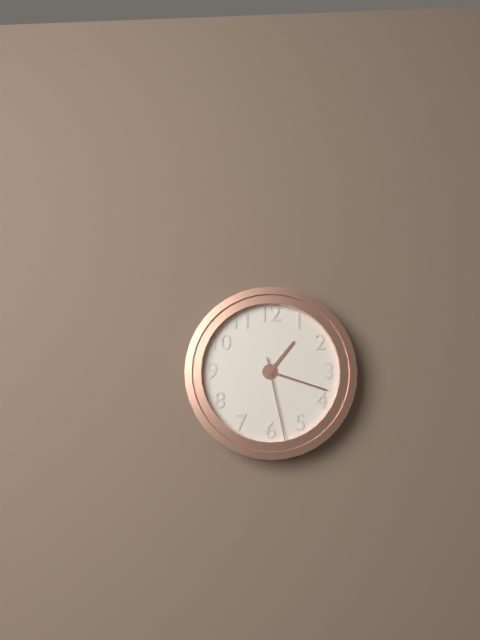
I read 1.18.28
